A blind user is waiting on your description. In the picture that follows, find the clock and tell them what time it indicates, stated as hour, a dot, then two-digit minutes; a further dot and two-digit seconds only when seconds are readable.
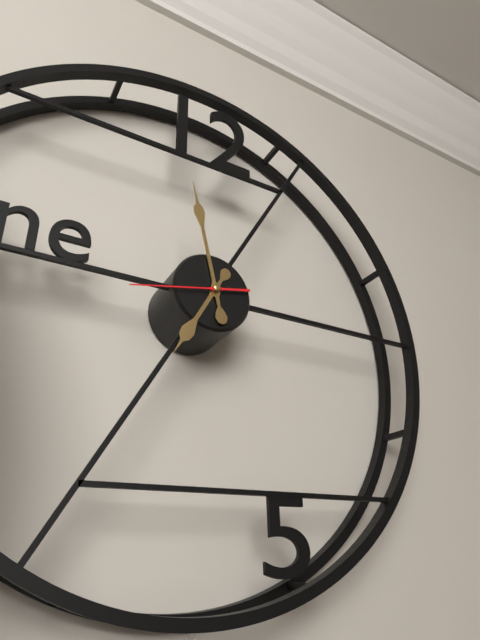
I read 6.58.43
